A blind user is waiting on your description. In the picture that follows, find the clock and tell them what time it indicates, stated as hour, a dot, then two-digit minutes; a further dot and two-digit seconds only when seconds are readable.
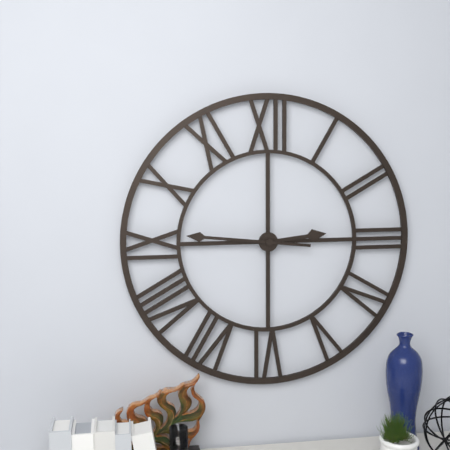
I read 2.46
